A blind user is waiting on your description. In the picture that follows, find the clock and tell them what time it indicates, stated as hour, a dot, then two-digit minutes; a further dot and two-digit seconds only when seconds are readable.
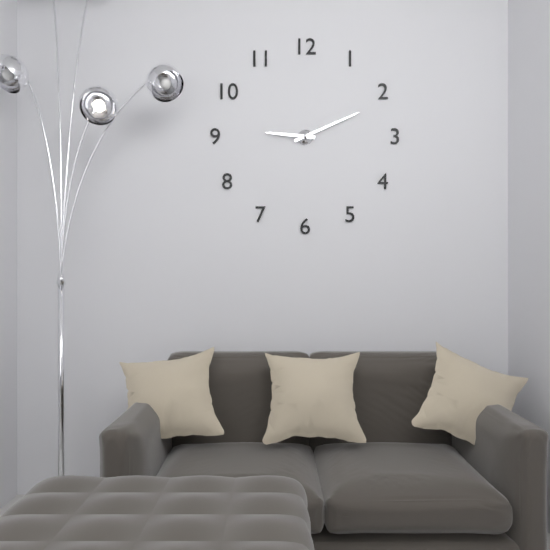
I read 9.11
